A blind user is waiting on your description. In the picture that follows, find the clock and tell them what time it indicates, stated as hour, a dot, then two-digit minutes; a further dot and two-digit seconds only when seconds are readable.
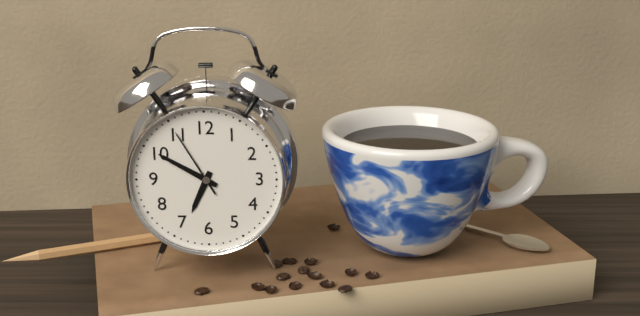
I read 6.50.55
